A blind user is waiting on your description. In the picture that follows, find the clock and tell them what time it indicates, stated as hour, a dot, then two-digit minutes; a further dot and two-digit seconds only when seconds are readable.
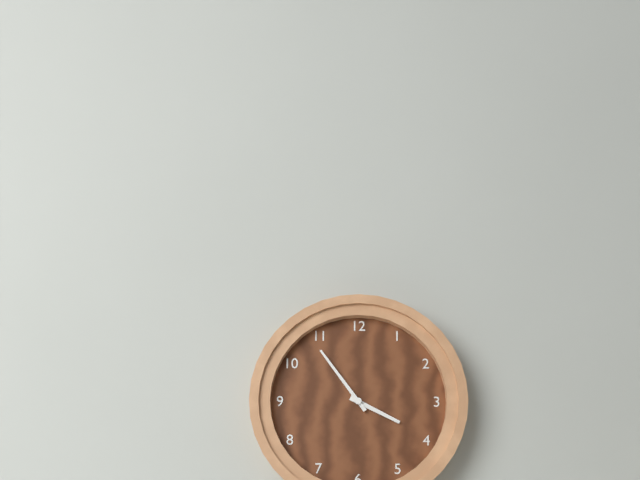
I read 3.54
